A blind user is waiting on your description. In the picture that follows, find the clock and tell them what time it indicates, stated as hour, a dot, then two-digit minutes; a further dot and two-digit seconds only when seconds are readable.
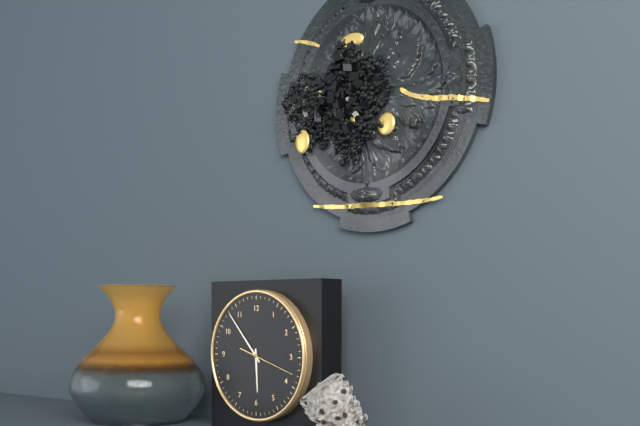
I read 5.53.18
